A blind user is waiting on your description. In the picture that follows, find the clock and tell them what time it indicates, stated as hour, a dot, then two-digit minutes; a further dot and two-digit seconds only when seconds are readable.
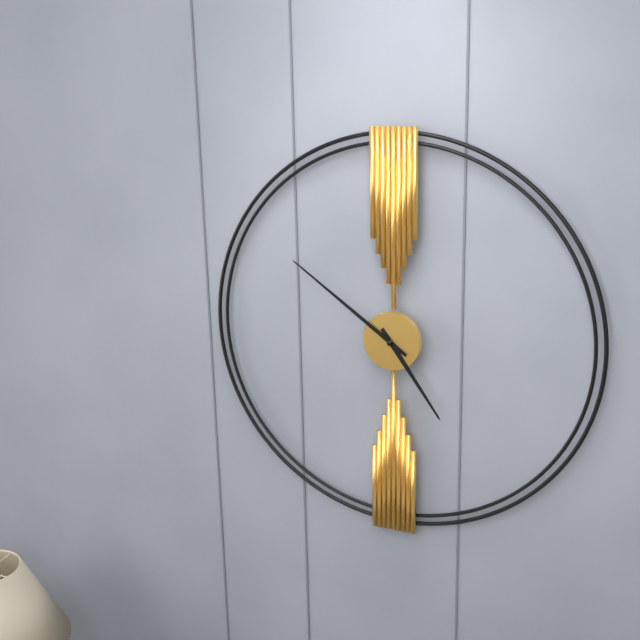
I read 4.51
